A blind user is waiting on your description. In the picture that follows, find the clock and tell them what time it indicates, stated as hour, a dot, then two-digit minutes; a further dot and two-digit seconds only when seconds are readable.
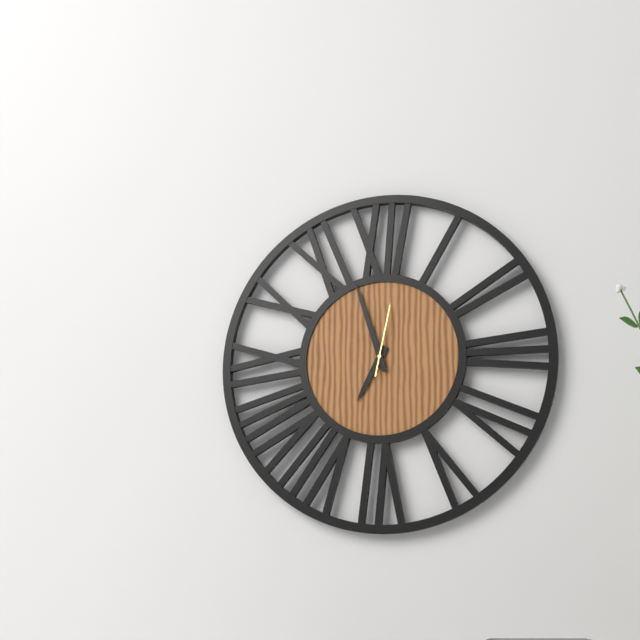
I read 6.57.02
